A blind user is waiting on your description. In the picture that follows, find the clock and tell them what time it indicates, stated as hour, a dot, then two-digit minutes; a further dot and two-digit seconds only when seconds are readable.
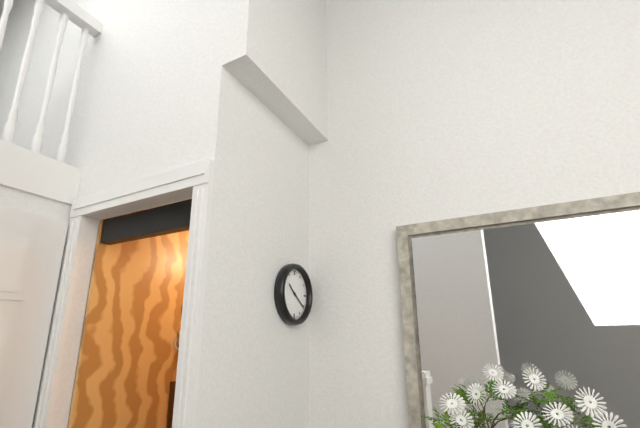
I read 10.21
